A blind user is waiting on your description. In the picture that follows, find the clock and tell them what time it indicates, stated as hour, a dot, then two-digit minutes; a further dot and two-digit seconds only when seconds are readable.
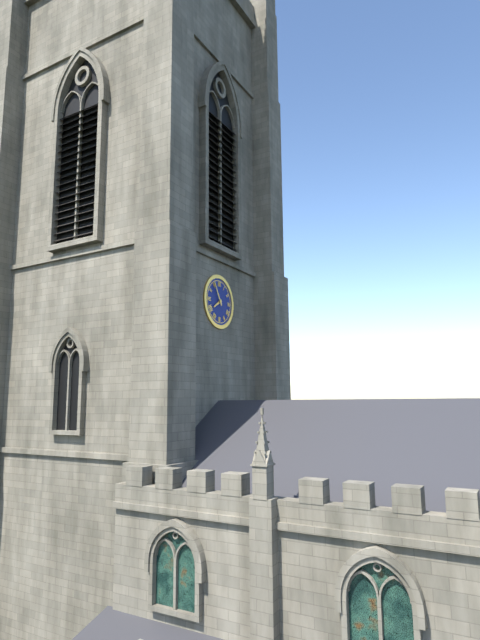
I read 7.55
